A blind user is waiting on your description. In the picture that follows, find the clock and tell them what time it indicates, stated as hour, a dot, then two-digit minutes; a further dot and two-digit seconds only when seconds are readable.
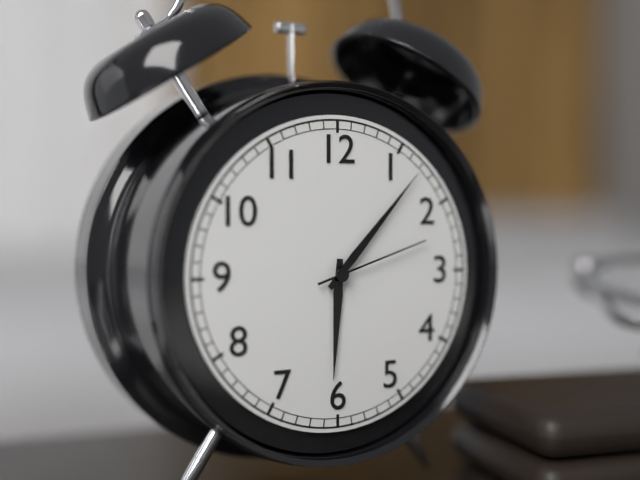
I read 6.07.12
